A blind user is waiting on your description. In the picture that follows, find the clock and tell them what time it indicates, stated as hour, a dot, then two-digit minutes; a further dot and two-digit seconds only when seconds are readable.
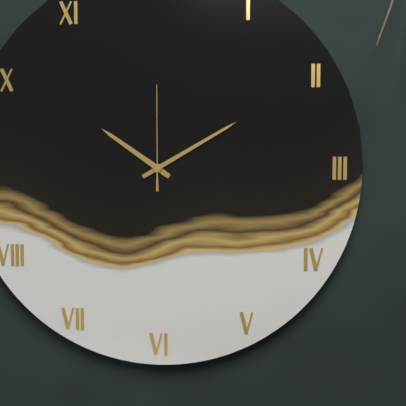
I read 10.10.00
